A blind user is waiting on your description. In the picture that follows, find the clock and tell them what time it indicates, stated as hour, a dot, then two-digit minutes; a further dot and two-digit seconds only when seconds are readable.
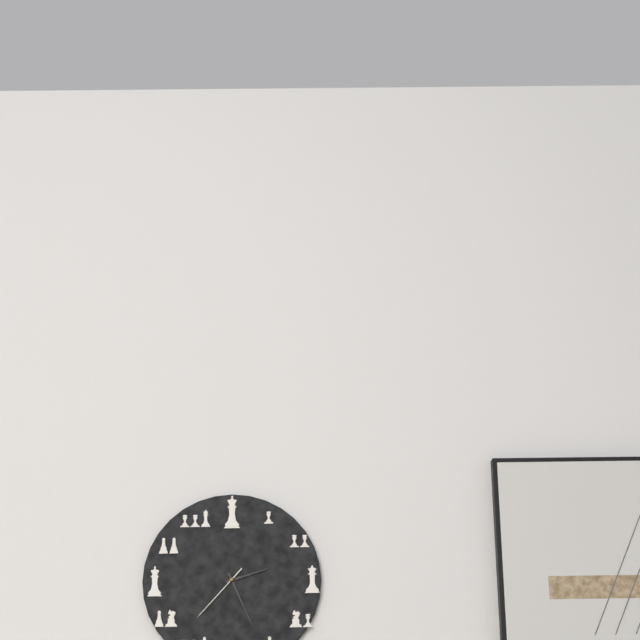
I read 2.26.37
